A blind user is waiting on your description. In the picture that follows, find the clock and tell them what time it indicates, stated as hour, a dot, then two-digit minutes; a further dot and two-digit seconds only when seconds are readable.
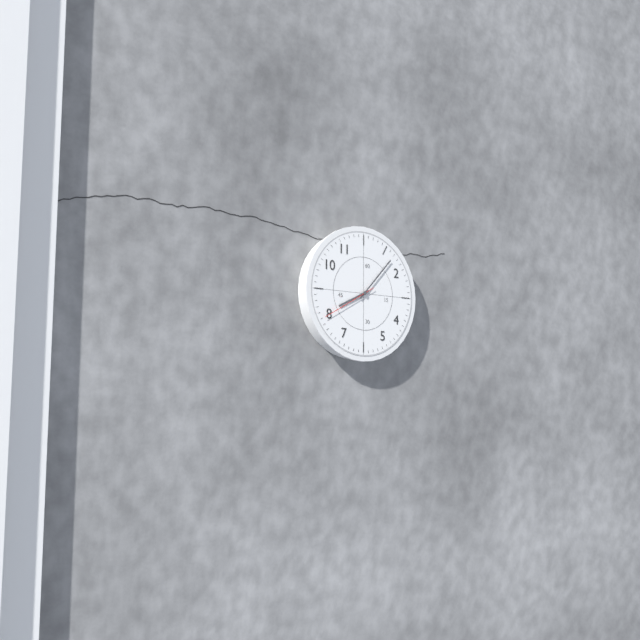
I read 8.07.40
